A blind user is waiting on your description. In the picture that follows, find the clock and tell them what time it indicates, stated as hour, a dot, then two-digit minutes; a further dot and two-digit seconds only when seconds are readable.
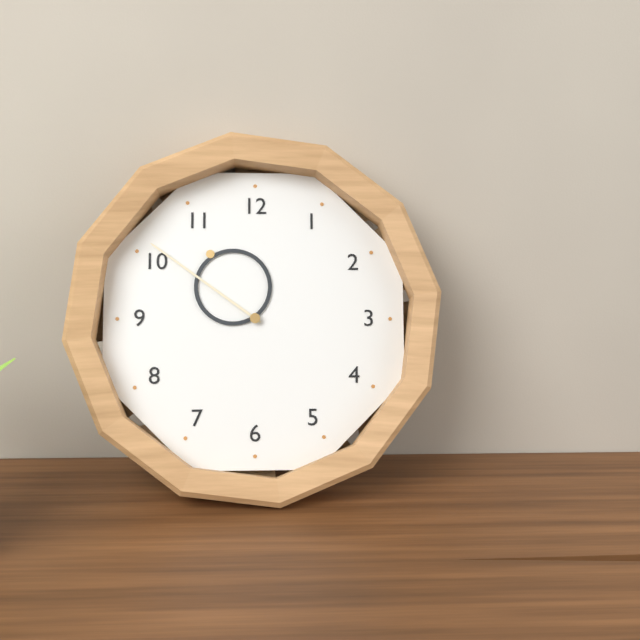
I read 10.51
